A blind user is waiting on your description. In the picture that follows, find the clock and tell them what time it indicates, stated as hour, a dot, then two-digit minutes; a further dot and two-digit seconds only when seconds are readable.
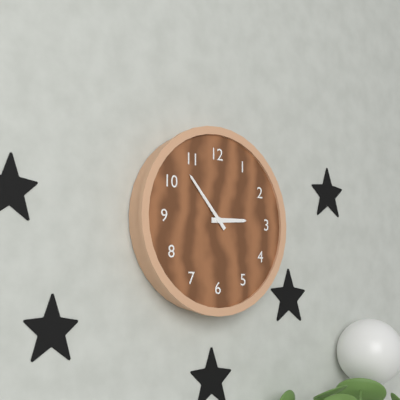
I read 2.53
